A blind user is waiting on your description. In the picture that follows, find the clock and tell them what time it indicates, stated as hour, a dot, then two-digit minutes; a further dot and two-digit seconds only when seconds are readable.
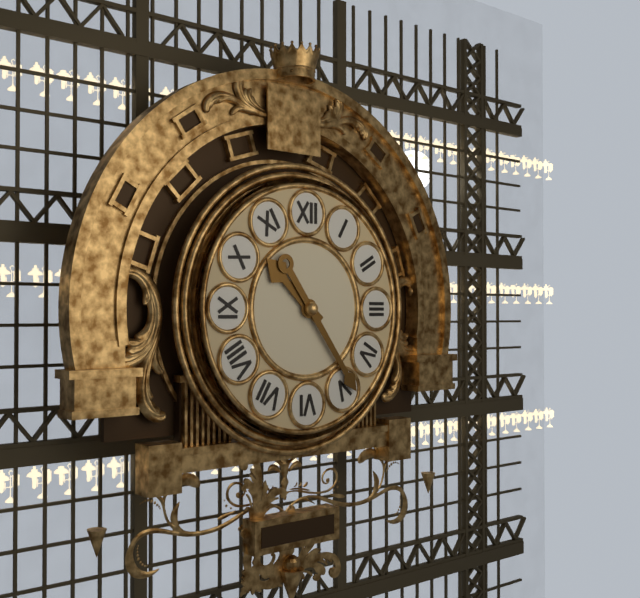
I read 10.24
